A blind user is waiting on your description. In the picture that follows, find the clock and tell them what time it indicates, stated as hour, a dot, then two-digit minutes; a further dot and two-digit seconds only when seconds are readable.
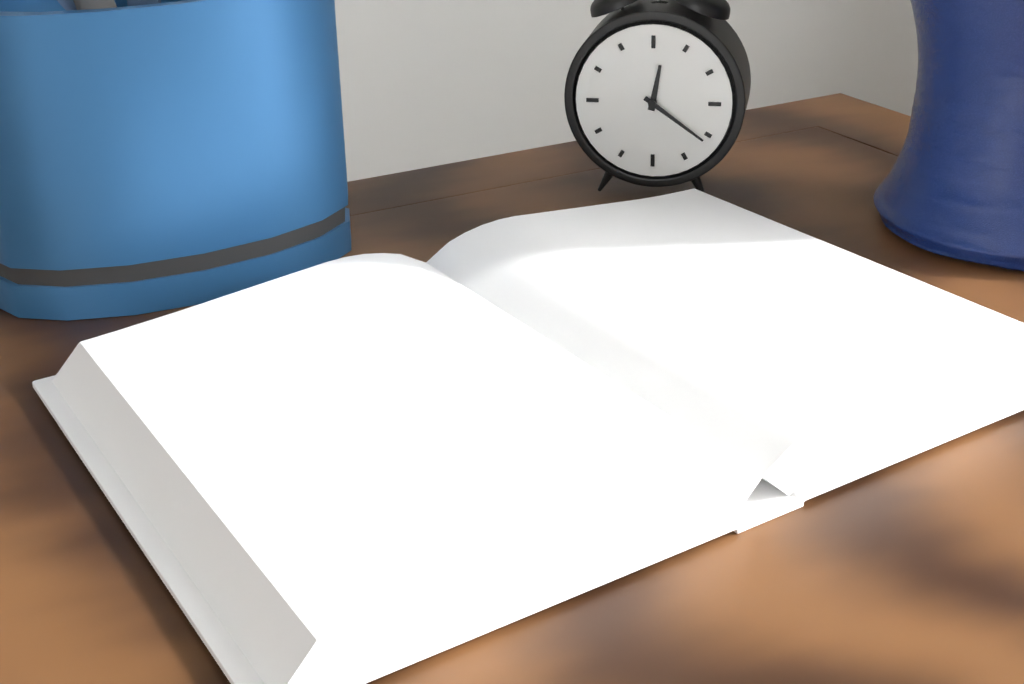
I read 12.21
